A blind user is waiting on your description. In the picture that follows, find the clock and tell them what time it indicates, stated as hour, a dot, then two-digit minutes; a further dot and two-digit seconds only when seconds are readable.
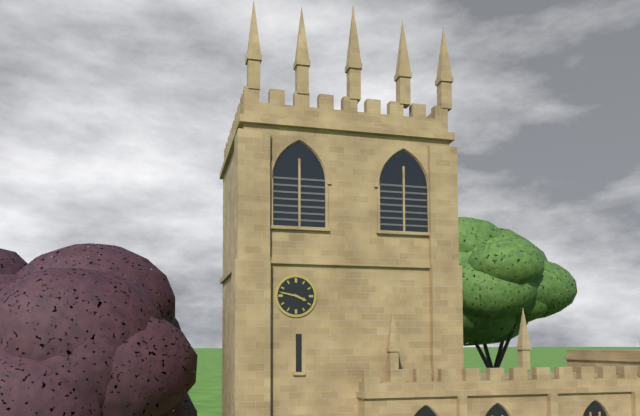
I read 3.47
